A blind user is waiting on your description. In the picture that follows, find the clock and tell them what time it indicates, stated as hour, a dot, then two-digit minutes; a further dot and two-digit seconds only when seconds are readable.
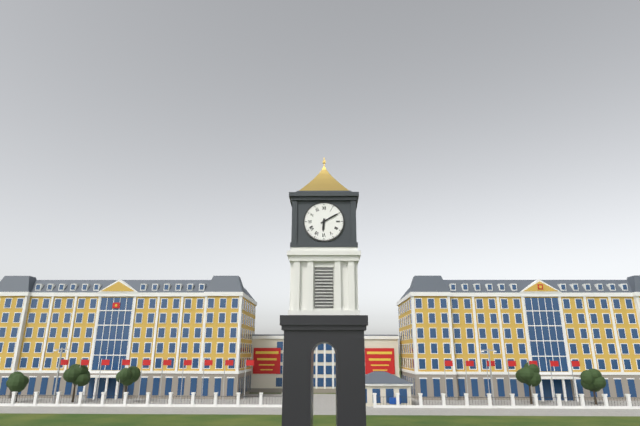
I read 6.10
